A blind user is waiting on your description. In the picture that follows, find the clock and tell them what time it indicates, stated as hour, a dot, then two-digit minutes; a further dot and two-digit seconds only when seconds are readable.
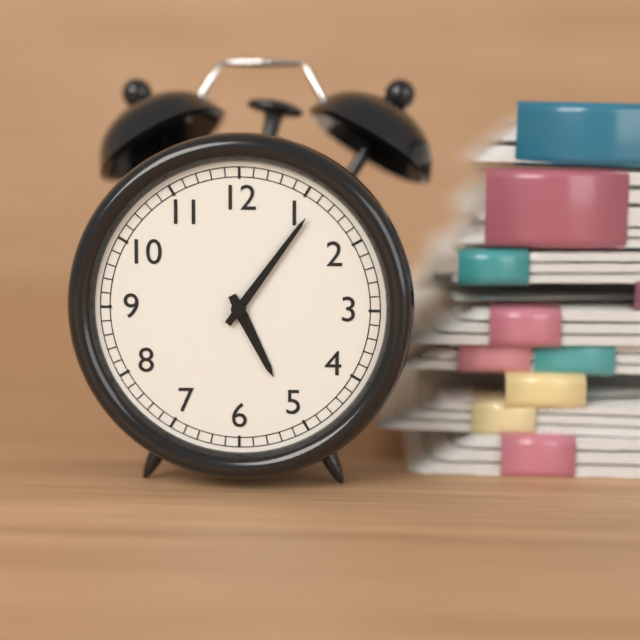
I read 5.06
